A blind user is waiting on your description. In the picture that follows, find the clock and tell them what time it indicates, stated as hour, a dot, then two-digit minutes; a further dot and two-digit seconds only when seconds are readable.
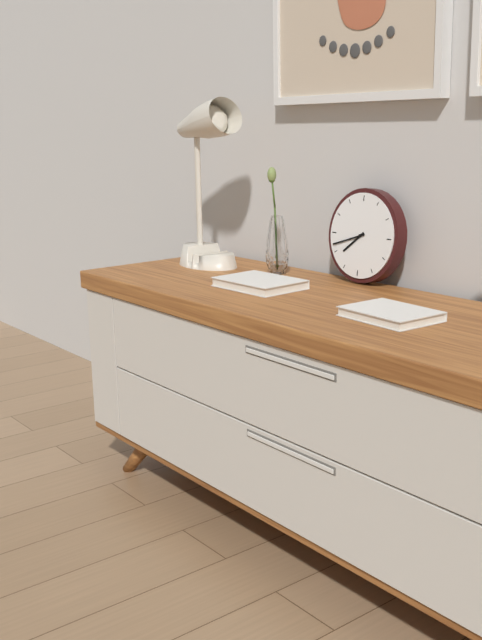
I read 7.42
